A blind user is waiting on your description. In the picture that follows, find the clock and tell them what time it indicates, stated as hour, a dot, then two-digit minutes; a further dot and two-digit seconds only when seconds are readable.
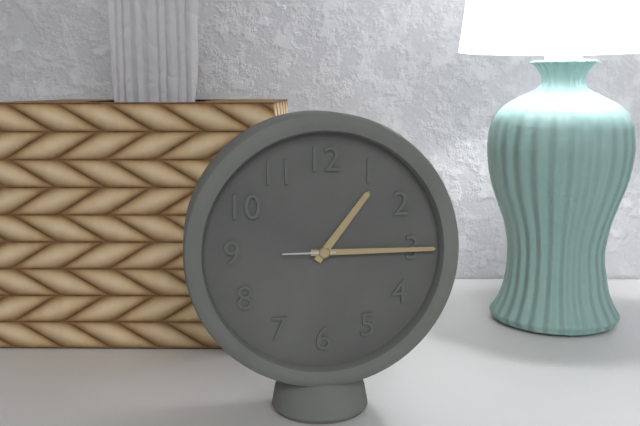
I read 1.15.45
